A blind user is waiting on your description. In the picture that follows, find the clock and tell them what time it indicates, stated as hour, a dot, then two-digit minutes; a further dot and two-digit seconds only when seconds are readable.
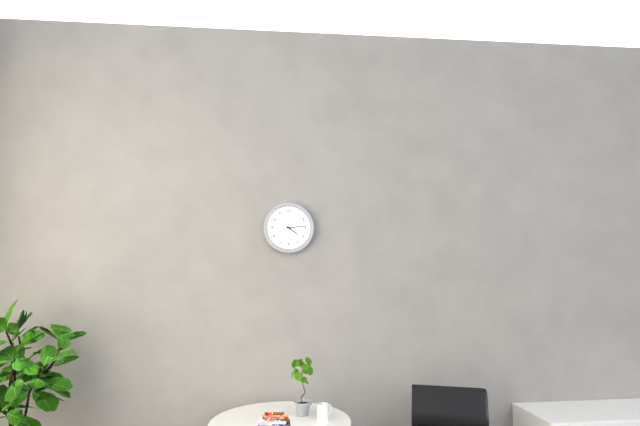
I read 4.14
